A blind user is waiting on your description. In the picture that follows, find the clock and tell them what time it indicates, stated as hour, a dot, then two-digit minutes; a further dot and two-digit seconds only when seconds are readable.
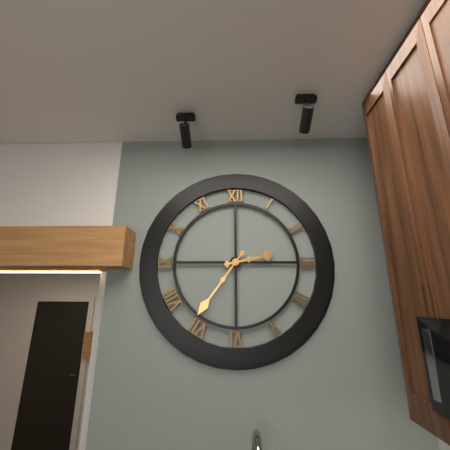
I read 2.36
